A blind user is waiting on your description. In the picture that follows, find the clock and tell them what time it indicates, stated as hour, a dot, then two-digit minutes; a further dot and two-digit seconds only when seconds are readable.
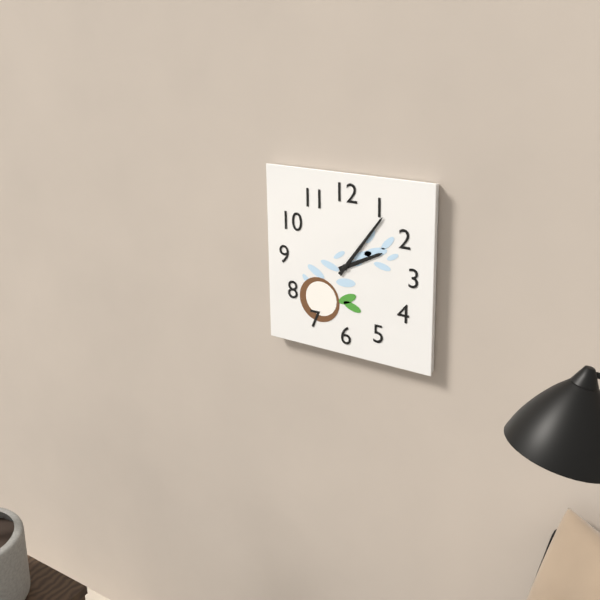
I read 2.06
